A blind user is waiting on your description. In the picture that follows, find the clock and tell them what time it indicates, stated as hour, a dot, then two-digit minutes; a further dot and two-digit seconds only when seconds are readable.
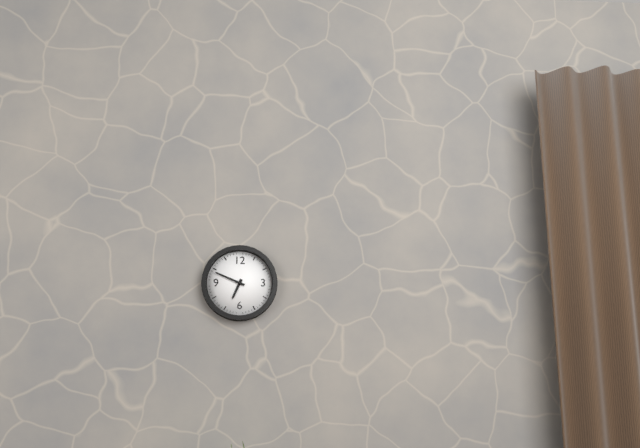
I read 6.49
